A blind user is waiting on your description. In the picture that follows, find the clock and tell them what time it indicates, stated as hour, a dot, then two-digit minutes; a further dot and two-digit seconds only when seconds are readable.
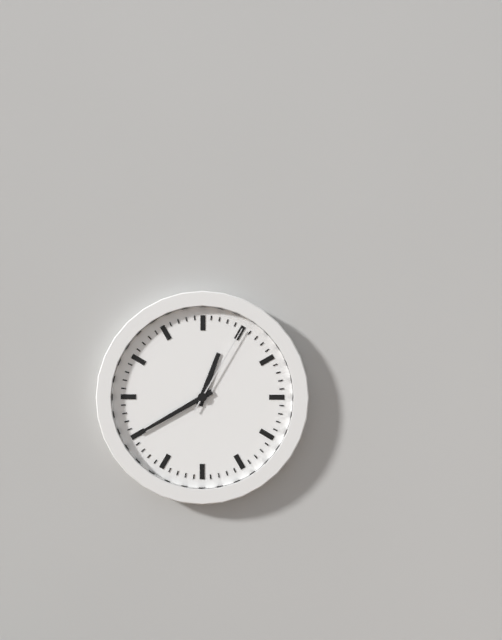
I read 12.40.05
